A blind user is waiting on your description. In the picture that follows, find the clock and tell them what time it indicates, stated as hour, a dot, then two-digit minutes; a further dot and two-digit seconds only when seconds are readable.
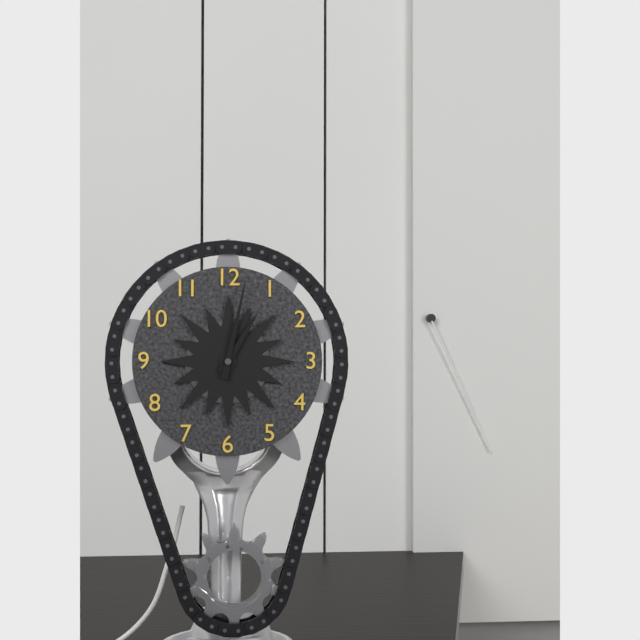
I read 1.02
